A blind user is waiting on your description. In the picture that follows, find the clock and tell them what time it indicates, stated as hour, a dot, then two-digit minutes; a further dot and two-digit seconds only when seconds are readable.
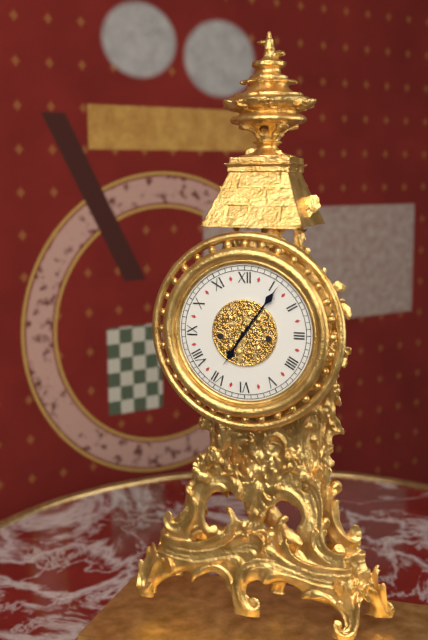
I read 7.06
